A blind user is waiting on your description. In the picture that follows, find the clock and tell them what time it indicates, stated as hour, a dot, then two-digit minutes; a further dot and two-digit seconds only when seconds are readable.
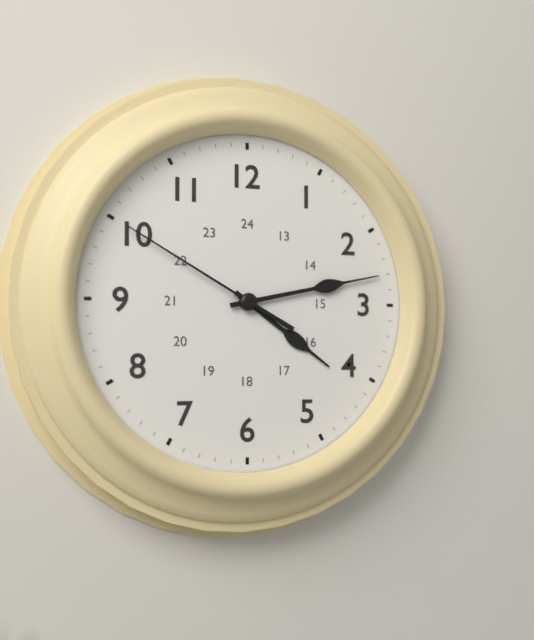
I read 4.13.50
